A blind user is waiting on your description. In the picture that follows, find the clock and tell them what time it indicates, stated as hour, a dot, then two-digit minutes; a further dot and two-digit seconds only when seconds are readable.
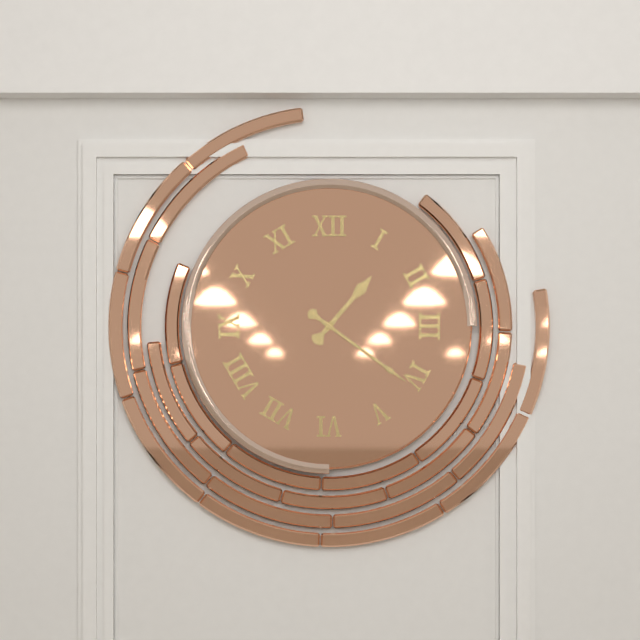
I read 1.21
